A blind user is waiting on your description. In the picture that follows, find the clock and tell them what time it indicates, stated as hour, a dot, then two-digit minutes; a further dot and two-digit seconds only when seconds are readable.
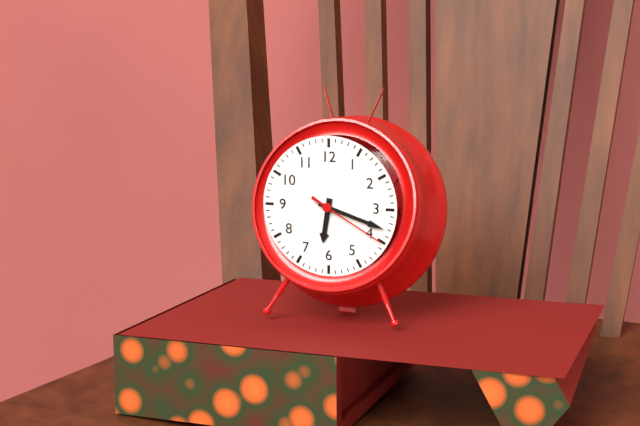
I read 6.18.20
